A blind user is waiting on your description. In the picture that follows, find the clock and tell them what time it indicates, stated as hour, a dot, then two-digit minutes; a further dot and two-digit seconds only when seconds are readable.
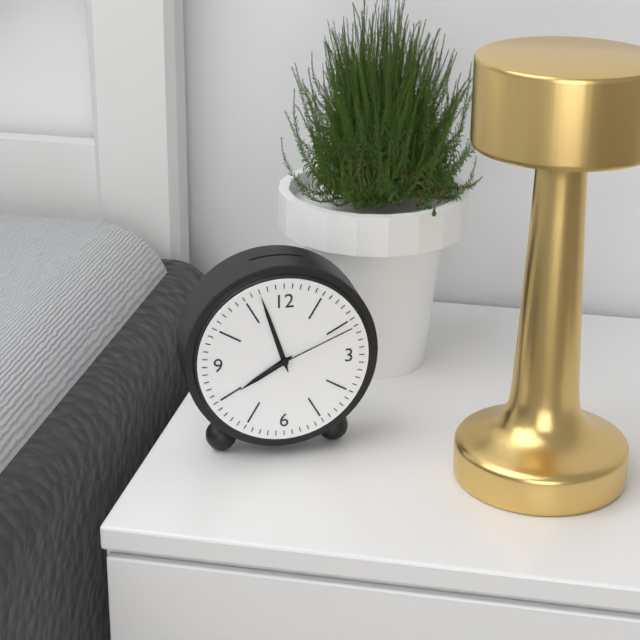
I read 7.57.11
